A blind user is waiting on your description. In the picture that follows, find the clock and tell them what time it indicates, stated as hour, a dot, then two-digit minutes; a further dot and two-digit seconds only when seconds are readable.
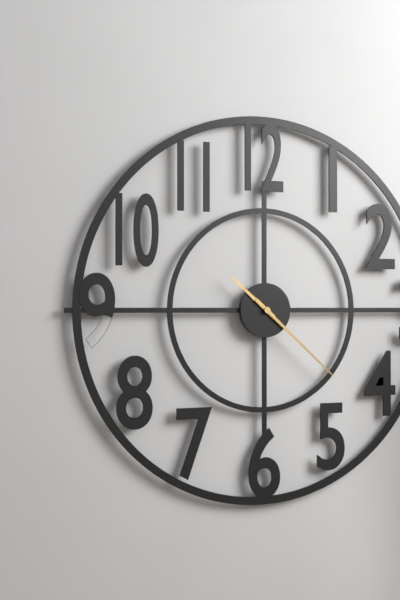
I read 10.22
